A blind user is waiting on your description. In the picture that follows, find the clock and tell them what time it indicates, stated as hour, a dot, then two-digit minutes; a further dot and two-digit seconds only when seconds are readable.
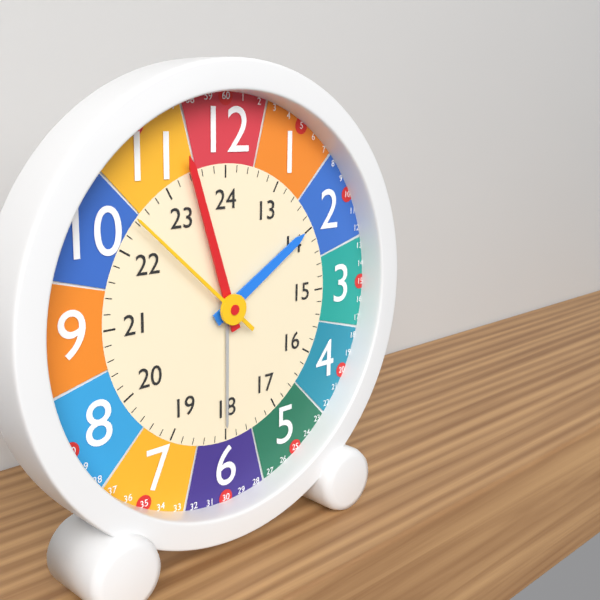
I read 1.57.52
